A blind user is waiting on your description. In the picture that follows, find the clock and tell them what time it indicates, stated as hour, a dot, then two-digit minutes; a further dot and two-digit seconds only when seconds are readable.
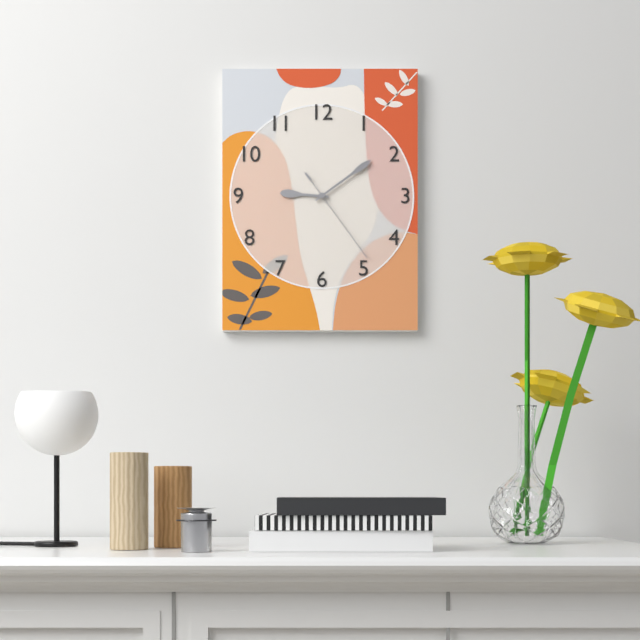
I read 9.09.24
